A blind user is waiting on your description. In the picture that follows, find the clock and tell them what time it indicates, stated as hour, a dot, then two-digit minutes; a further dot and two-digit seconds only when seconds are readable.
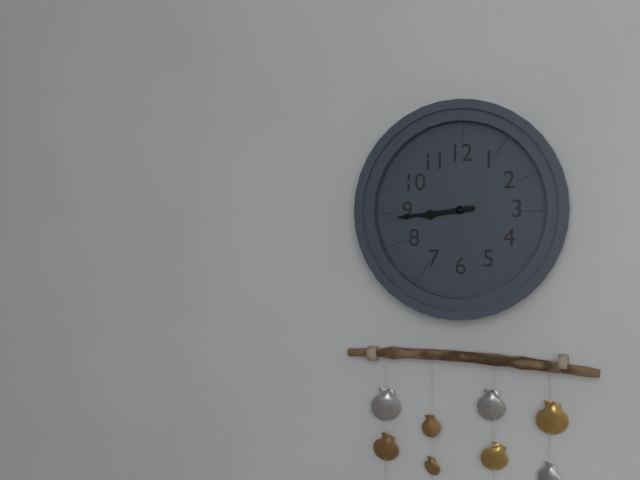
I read 8.44
